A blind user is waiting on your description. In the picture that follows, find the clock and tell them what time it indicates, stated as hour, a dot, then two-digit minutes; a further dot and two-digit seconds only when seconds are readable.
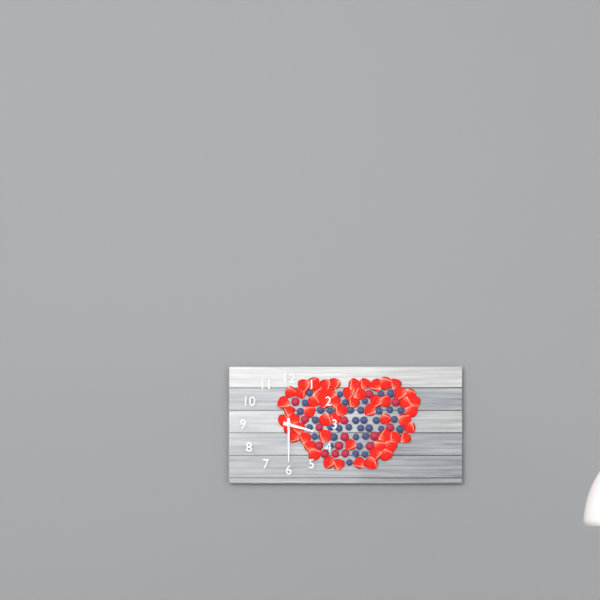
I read 3.30
